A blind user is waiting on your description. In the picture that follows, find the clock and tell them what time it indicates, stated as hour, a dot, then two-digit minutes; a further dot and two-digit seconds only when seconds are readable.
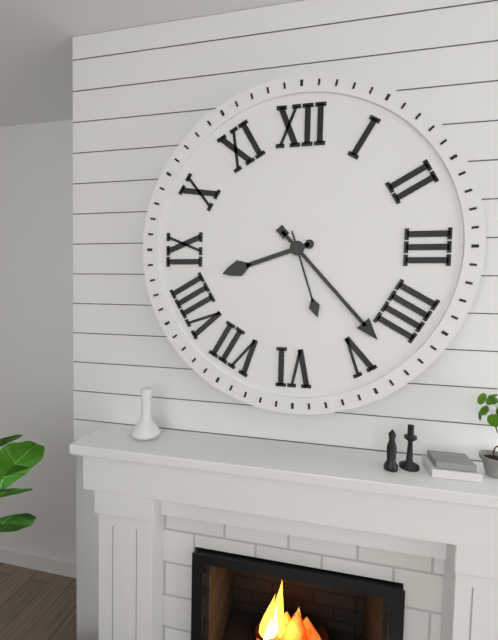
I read 8.23.27
